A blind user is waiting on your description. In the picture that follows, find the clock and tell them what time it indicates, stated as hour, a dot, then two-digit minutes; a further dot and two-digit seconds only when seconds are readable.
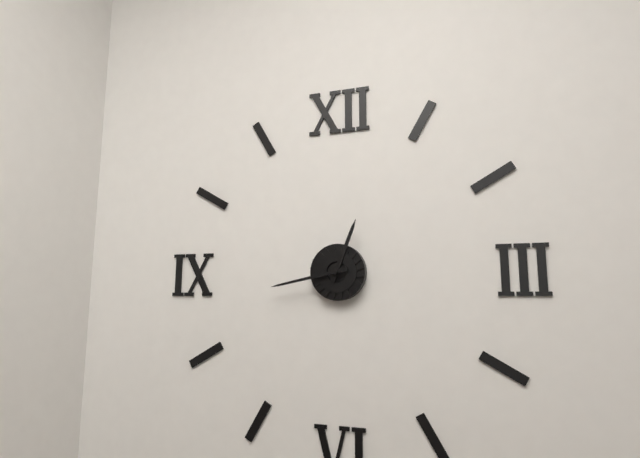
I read 12.43
